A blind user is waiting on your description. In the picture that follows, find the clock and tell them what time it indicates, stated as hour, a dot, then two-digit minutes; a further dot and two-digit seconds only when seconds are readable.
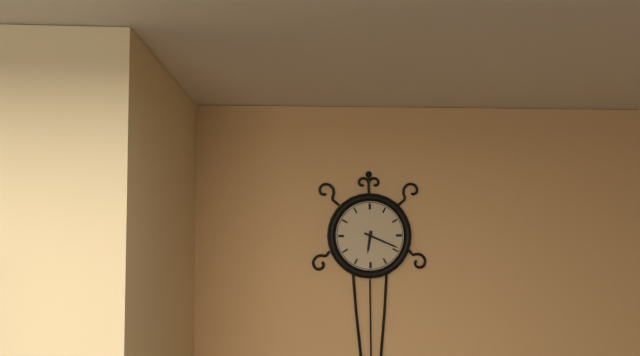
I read 6.19
